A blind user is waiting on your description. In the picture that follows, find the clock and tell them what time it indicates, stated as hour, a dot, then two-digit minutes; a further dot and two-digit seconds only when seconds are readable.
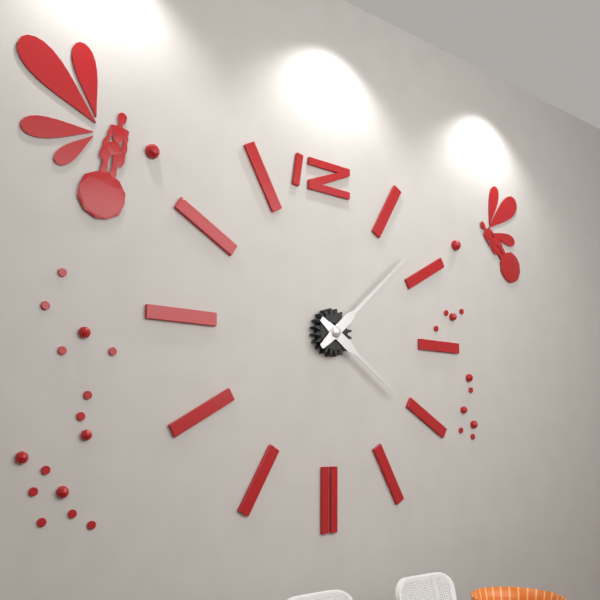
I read 4.08
